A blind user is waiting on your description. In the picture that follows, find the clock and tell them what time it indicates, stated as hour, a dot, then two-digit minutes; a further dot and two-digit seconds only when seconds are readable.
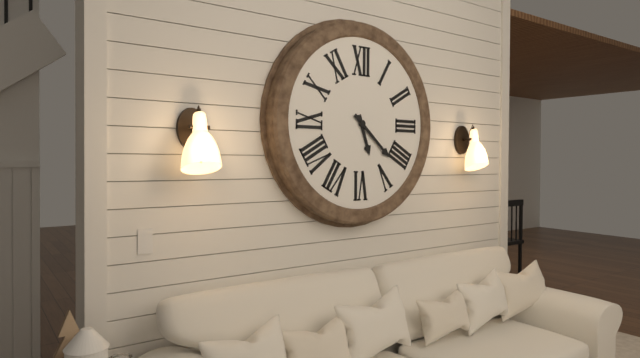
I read 5.22
